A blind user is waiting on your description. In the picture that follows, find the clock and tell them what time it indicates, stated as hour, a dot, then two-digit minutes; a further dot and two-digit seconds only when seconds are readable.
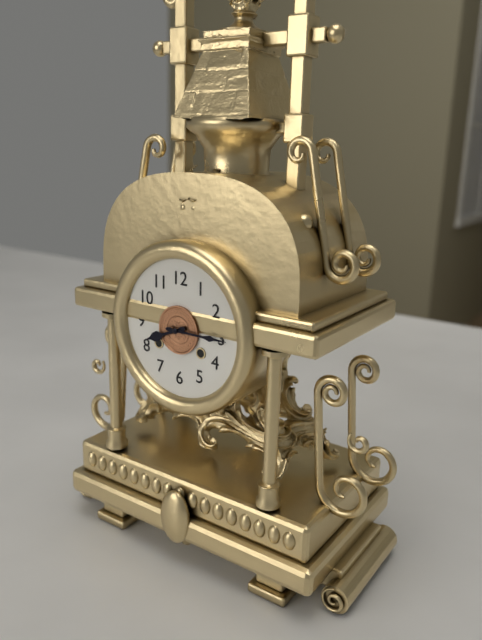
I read 8.15
